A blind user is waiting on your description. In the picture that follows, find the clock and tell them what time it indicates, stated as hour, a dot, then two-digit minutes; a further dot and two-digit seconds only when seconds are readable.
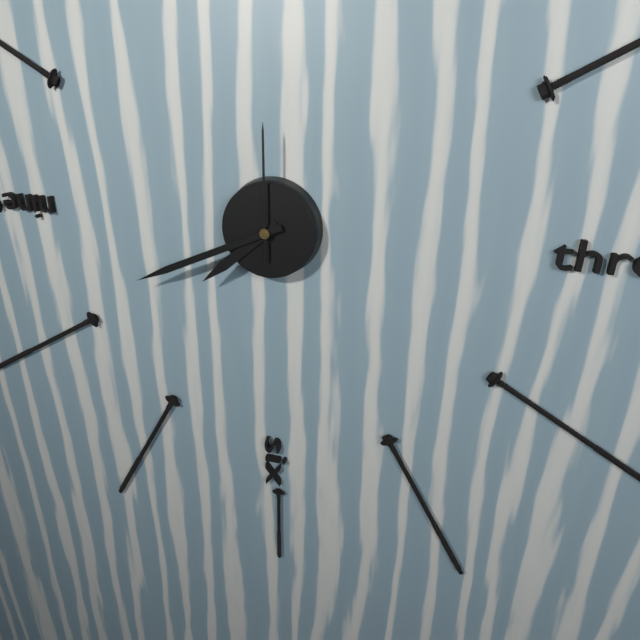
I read 7.41.00
